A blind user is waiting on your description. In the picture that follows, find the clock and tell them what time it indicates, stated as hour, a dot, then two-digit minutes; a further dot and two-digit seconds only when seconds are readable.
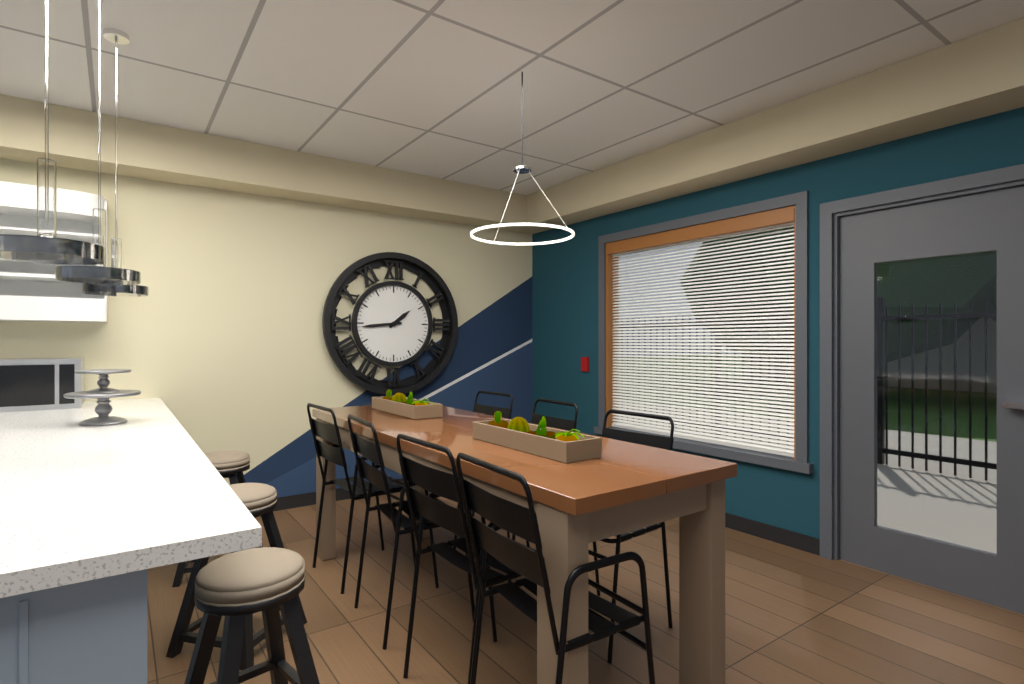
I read 1.44
